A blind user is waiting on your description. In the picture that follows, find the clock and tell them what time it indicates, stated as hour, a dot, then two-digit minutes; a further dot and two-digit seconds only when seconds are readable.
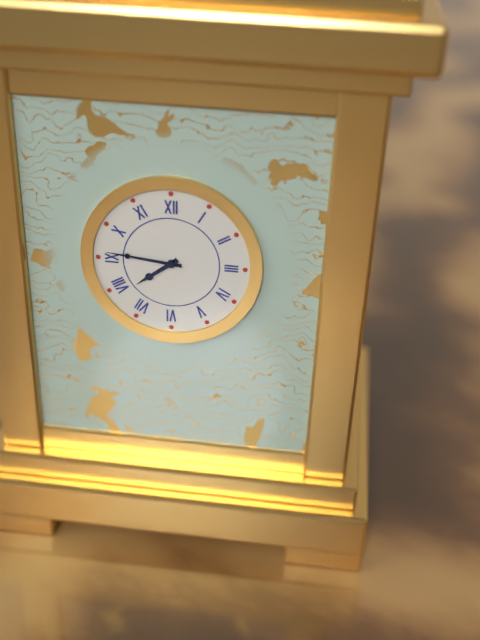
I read 7.46
